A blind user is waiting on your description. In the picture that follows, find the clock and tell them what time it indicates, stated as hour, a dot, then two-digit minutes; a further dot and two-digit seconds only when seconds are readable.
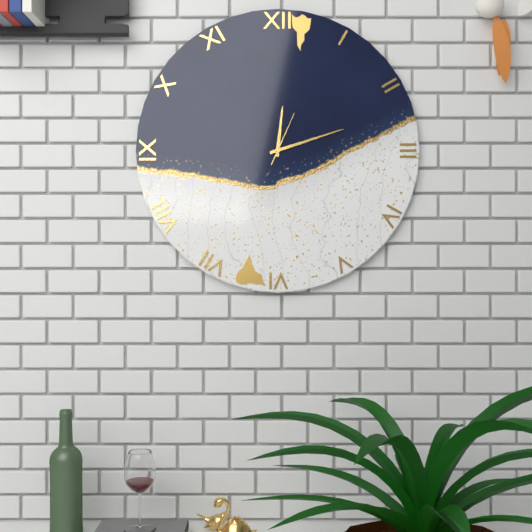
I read 12.12.04
